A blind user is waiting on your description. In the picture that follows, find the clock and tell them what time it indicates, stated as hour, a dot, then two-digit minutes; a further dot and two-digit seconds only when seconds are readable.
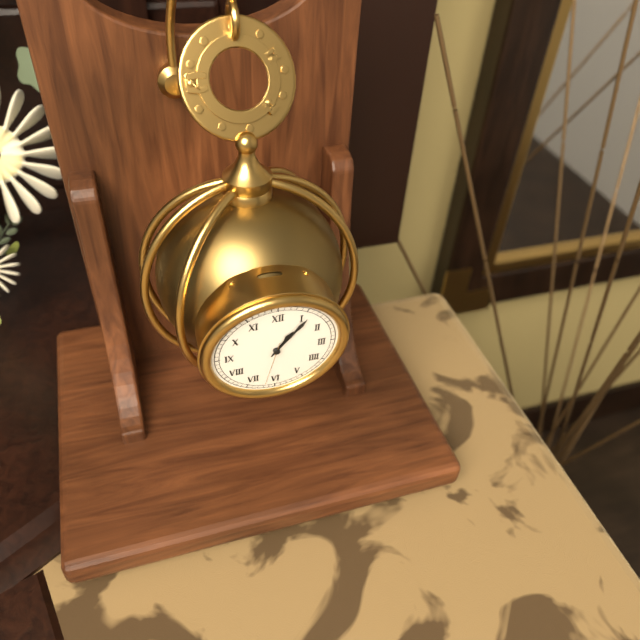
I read 1.06
